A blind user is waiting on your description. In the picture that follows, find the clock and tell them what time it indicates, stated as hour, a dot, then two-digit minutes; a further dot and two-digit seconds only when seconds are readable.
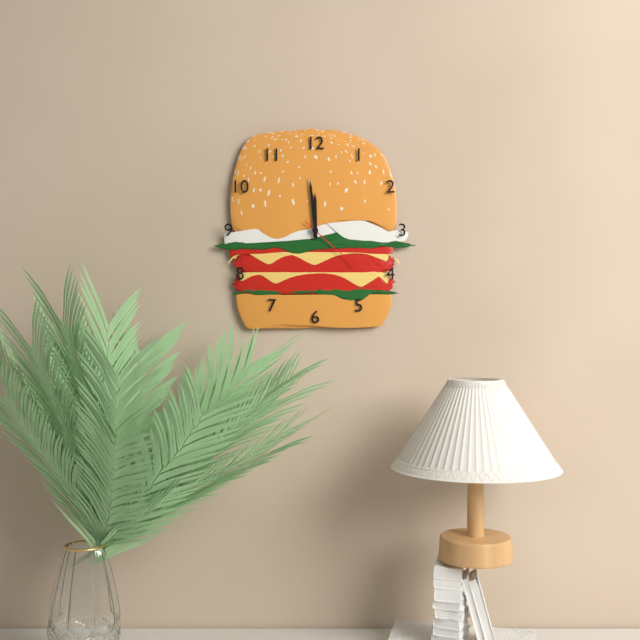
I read 11.59.22
